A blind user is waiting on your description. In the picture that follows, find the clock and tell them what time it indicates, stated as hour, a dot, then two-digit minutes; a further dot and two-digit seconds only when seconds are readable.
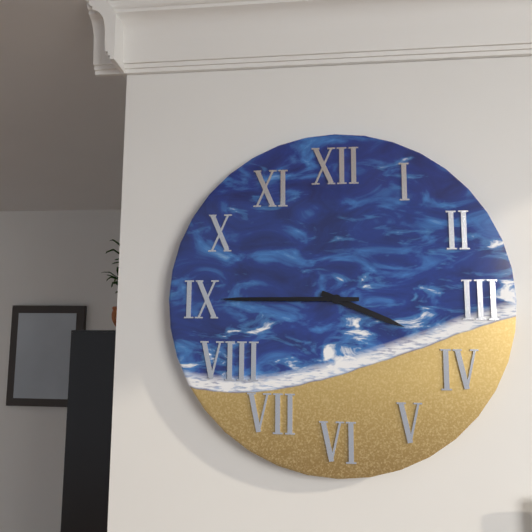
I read 3.45
